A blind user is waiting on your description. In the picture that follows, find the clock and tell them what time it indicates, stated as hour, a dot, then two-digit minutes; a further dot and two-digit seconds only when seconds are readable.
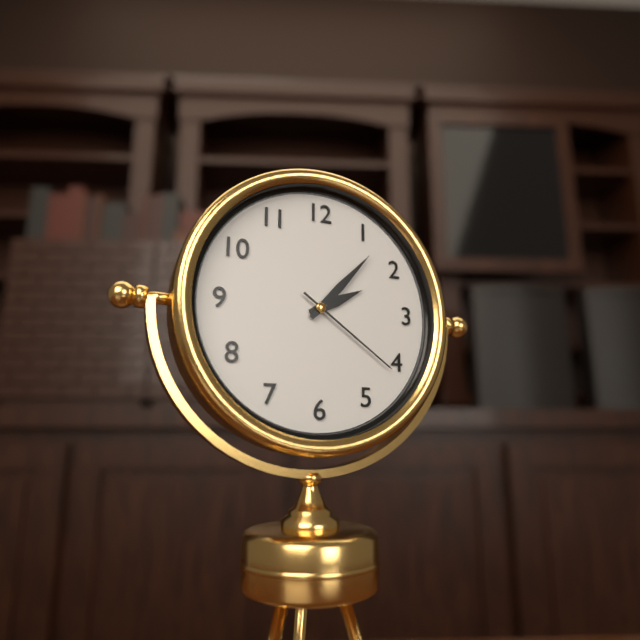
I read 2.07.21
